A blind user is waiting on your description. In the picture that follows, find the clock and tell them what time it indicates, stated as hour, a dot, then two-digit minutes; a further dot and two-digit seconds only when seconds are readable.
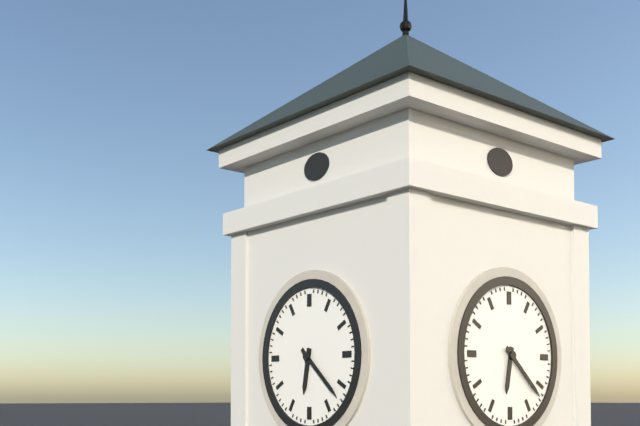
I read 6.22
